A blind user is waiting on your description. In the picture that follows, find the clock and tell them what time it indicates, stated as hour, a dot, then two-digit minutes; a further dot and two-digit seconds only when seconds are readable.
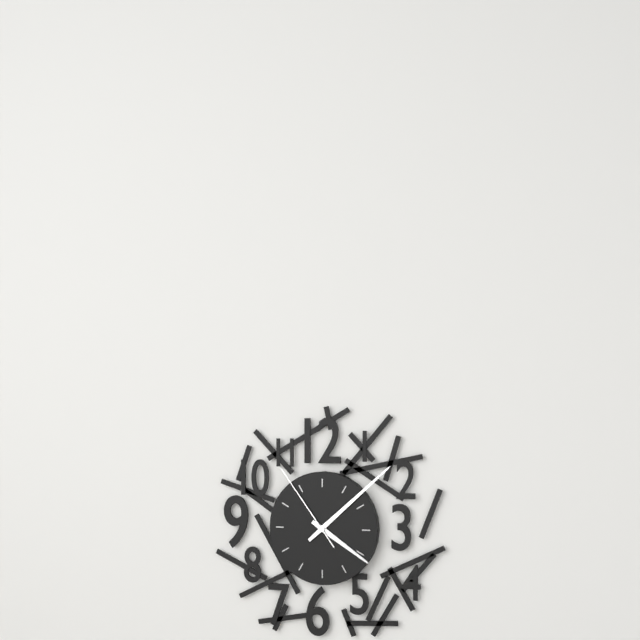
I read 4.08.54
